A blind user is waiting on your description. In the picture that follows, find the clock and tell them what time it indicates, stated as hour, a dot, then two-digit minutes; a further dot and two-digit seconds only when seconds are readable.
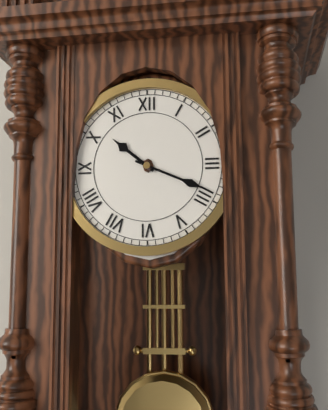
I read 10.19
